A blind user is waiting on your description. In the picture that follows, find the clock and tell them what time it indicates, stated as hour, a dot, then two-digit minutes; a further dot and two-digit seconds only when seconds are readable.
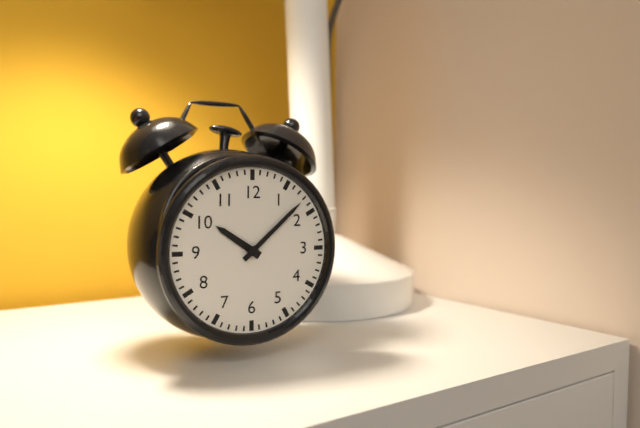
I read 10.08
